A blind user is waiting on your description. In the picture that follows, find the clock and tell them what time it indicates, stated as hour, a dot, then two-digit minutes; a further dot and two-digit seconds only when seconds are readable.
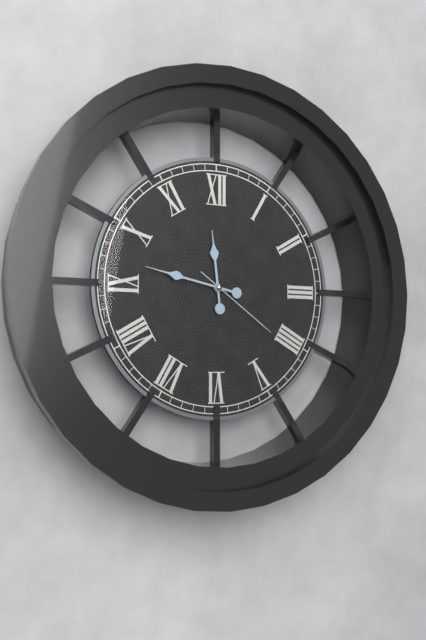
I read 11.47.21
